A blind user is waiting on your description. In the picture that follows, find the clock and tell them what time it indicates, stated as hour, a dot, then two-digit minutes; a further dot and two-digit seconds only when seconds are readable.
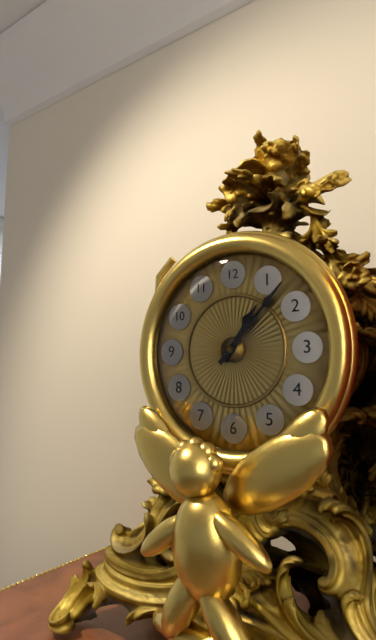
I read 1.07
